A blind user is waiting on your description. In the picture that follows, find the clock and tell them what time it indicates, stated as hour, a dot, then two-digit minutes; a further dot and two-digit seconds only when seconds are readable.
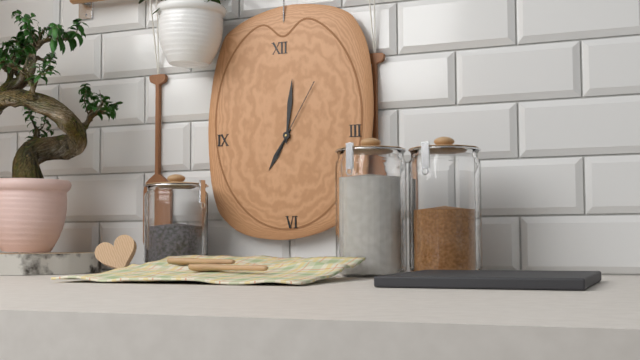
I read 7.01.05
